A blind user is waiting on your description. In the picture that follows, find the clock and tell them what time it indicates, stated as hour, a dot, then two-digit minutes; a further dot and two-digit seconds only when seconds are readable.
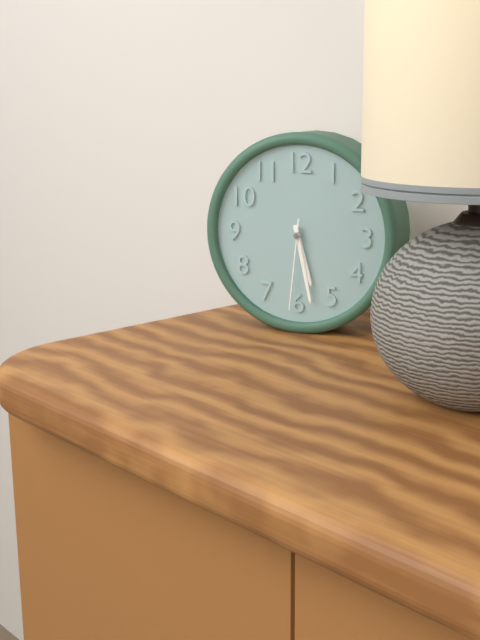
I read 5.28.31
